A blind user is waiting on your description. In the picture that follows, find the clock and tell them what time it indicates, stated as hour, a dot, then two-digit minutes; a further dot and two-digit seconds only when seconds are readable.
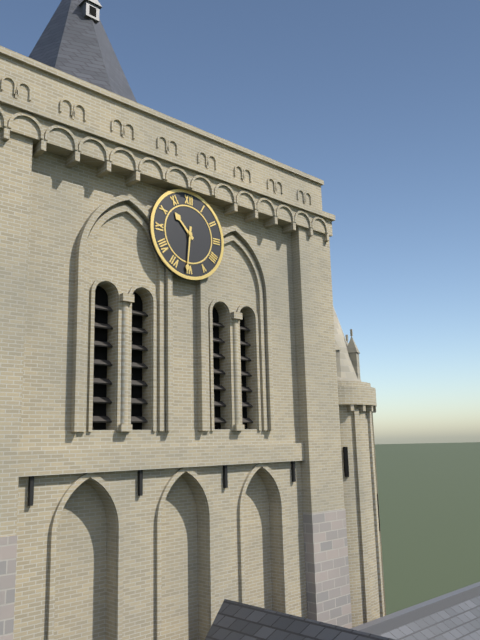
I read 10.31
